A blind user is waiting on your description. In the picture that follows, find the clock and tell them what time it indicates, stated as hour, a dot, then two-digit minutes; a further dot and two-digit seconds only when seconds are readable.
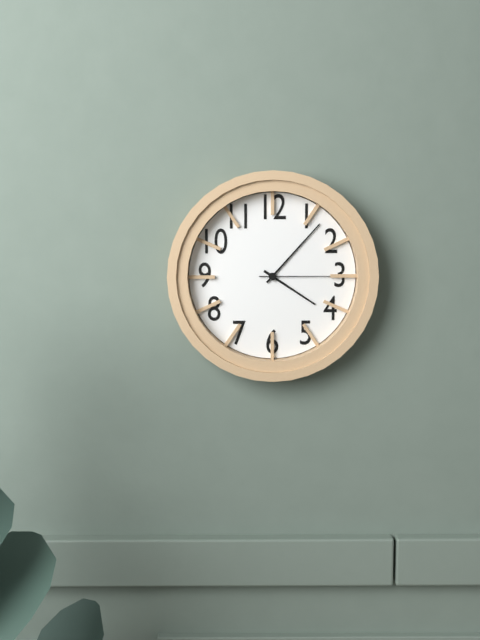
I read 4.07.15
